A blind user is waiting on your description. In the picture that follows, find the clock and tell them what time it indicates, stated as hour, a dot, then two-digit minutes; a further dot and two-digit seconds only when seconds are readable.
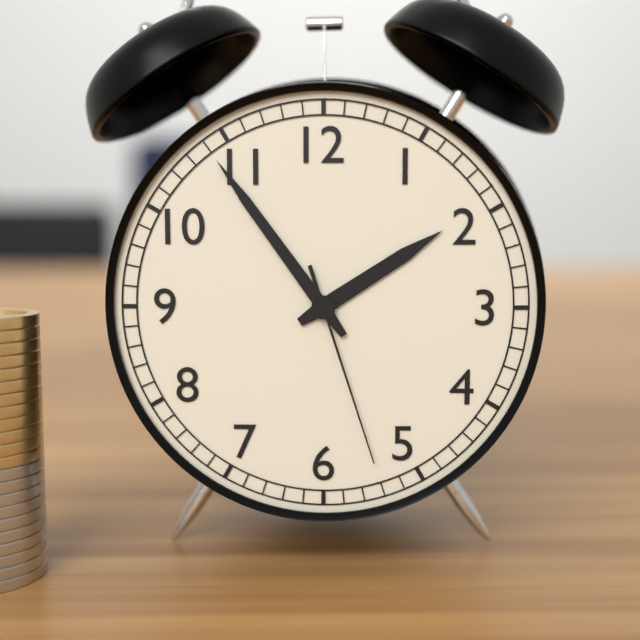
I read 1.54.27
